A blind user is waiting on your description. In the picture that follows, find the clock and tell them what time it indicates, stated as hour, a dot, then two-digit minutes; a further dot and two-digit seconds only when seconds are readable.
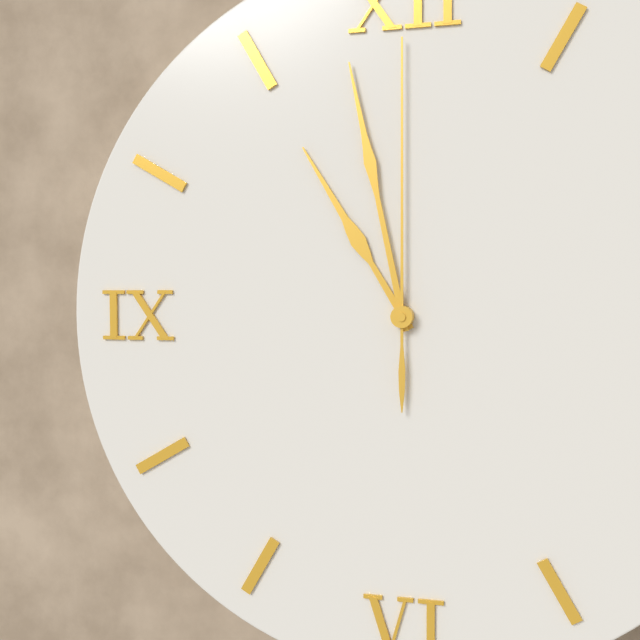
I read 10.58.00
